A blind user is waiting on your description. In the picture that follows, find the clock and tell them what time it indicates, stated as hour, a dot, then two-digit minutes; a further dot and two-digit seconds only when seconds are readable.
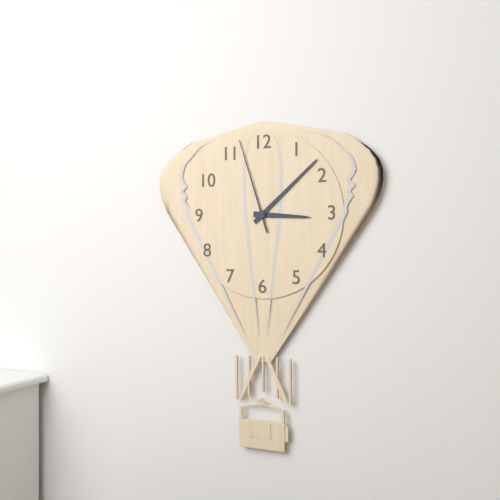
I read 3.08.57
